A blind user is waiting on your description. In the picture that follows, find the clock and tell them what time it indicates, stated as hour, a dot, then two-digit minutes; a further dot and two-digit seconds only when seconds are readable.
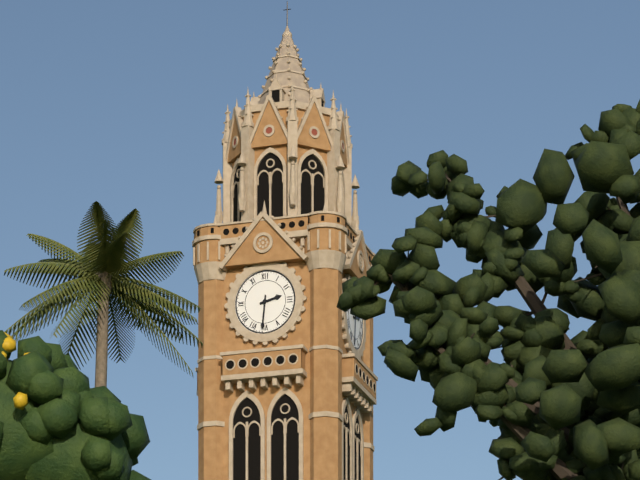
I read 2.31
